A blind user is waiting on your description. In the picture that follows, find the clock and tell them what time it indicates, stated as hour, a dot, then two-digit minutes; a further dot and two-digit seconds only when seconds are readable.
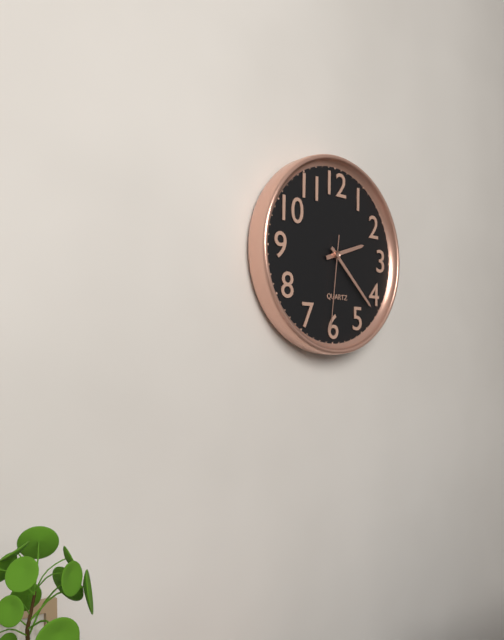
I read 2.22.31
